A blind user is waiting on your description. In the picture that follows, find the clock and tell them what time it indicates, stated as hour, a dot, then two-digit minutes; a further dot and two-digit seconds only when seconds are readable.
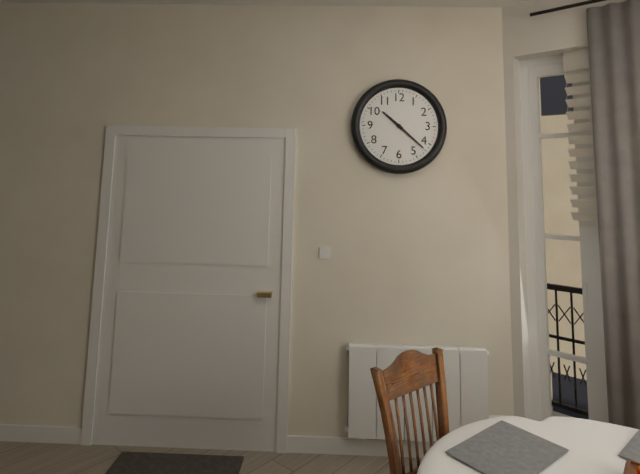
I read 10.22
